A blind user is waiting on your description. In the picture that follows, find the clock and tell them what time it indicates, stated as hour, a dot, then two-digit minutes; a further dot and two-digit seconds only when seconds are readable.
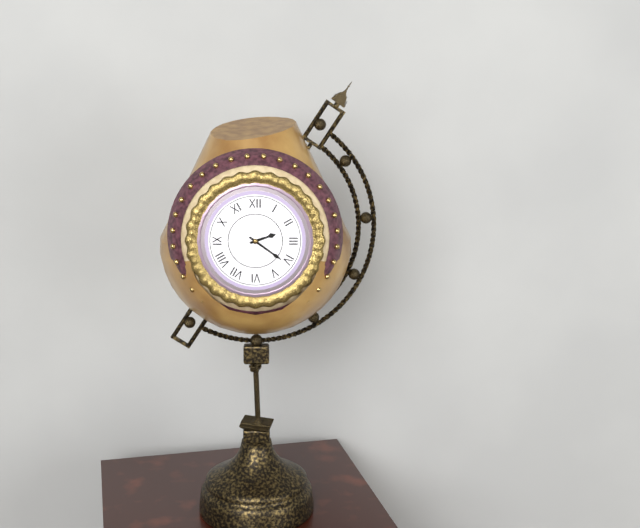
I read 2.21
